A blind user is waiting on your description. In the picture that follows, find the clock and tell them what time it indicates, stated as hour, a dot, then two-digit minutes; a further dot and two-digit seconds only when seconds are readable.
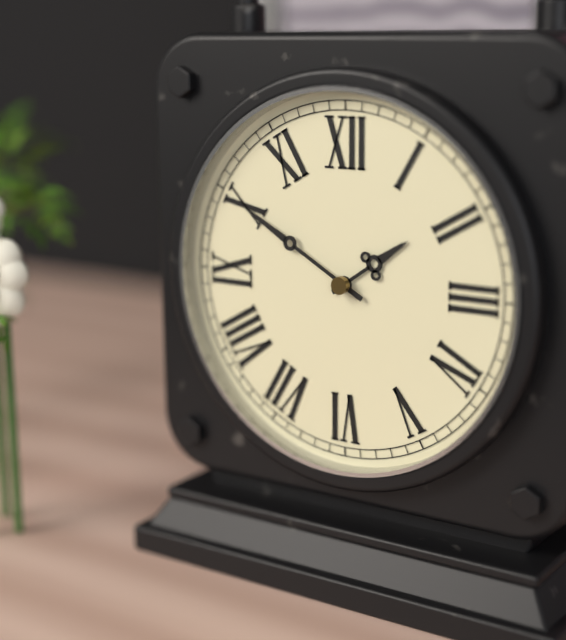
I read 1.50
